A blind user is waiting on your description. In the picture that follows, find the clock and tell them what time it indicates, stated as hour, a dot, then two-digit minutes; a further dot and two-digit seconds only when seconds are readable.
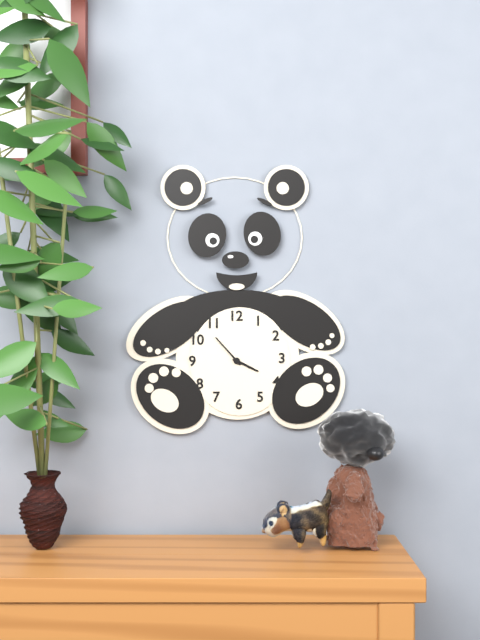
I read 3.53
